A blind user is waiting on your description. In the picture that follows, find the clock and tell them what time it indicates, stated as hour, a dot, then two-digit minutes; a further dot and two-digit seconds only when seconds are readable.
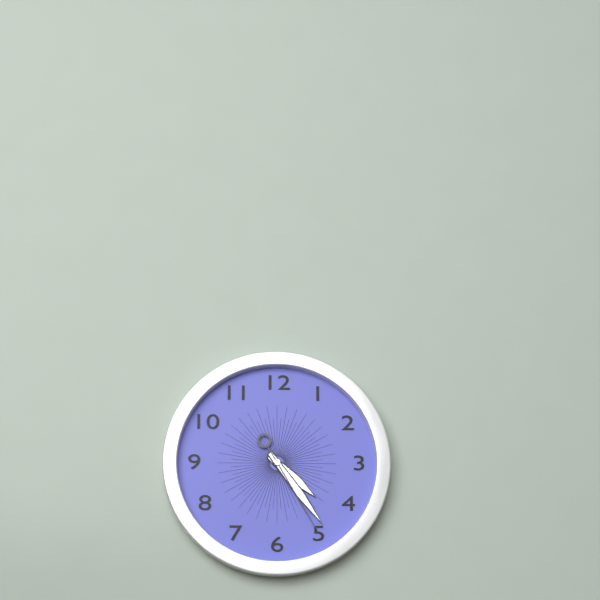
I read 4.24.25
